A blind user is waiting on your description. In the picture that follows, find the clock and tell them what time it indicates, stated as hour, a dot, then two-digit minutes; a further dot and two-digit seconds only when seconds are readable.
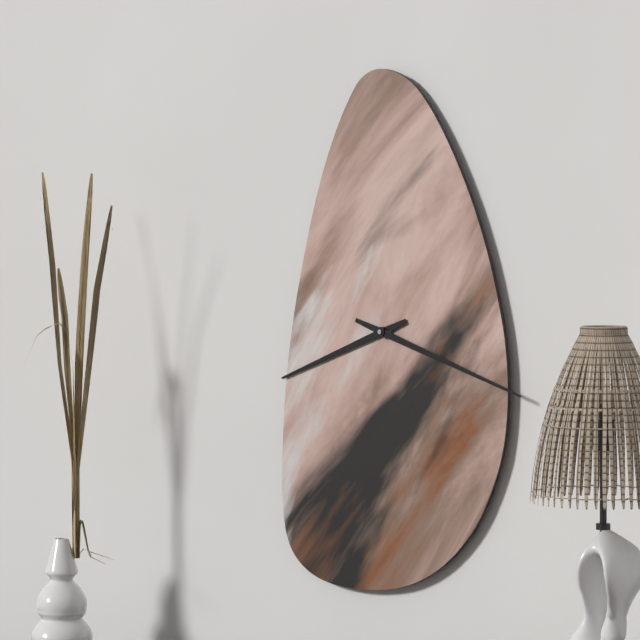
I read 8.18
